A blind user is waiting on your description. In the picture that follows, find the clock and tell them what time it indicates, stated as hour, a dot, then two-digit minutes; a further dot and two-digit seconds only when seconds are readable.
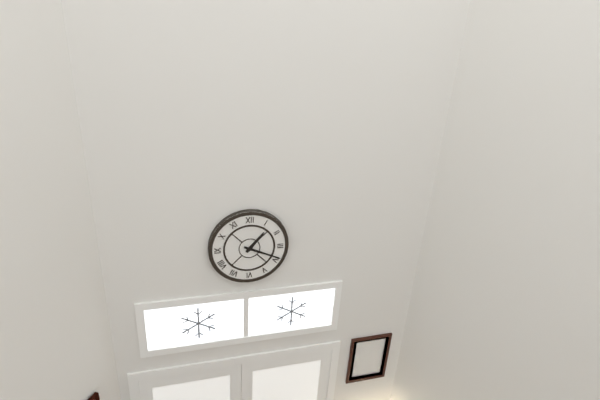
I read 1.19
